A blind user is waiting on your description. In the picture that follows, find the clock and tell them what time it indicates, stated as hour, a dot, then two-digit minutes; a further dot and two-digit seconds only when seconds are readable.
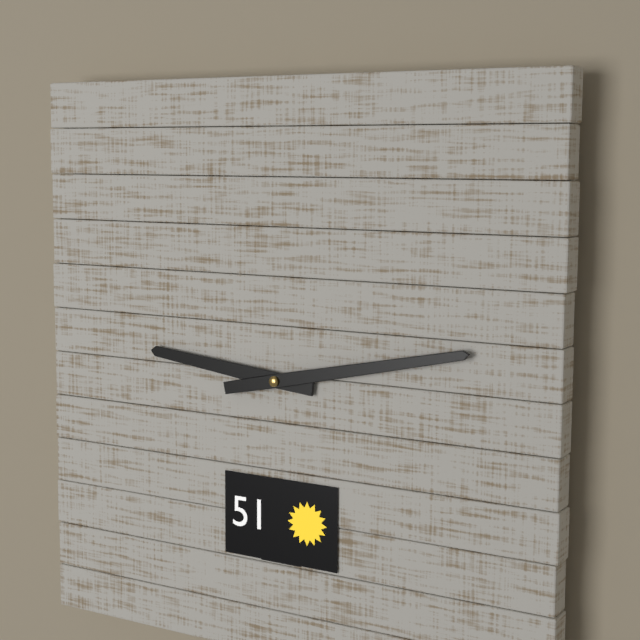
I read 9.13
